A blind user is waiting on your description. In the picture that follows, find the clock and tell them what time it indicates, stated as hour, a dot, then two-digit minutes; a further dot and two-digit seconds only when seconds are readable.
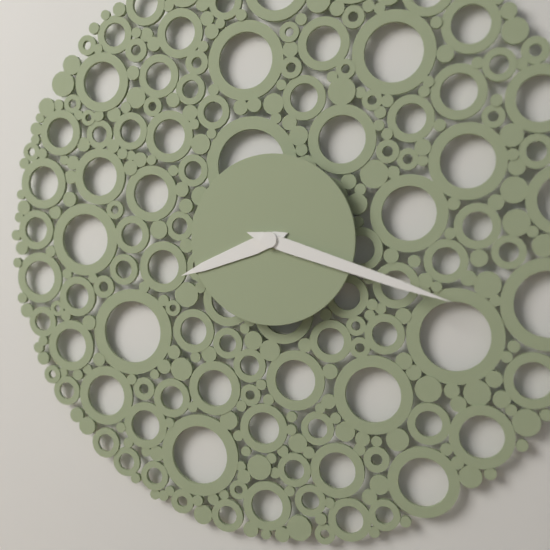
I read 8.18
